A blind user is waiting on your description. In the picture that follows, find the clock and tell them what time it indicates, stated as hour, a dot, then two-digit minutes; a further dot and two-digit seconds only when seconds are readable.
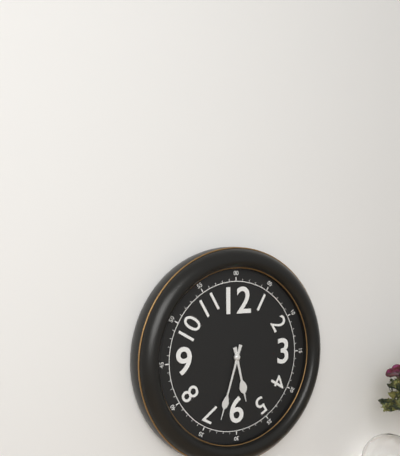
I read 5.33
